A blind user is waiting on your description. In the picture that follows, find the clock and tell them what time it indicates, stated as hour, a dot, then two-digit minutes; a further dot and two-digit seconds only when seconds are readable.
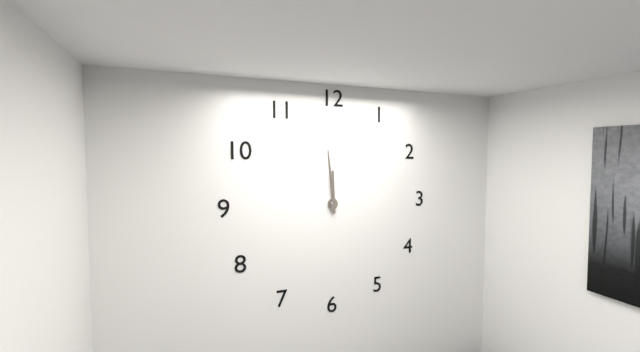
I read 11.59
